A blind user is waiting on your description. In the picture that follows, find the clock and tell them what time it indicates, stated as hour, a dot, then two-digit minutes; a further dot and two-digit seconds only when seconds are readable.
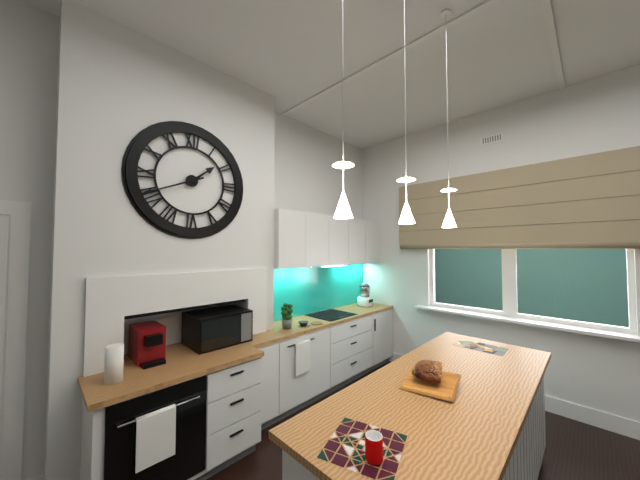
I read 1.41
